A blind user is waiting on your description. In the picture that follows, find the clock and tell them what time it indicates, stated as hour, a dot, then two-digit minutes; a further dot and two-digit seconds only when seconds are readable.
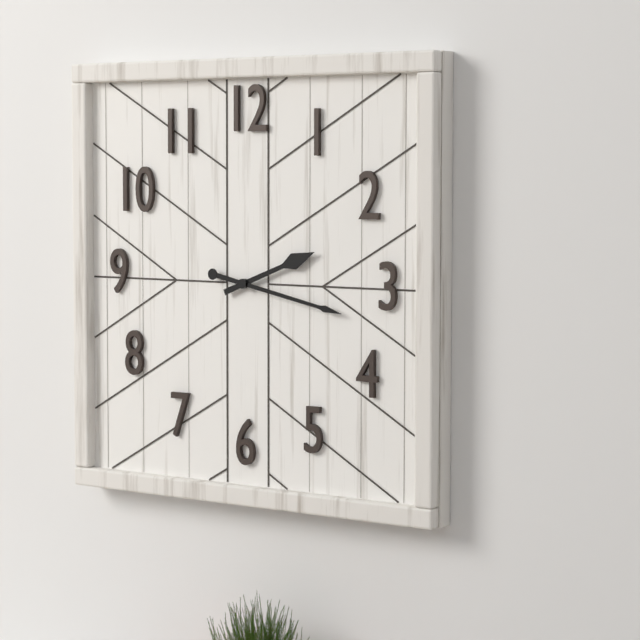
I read 2.17
